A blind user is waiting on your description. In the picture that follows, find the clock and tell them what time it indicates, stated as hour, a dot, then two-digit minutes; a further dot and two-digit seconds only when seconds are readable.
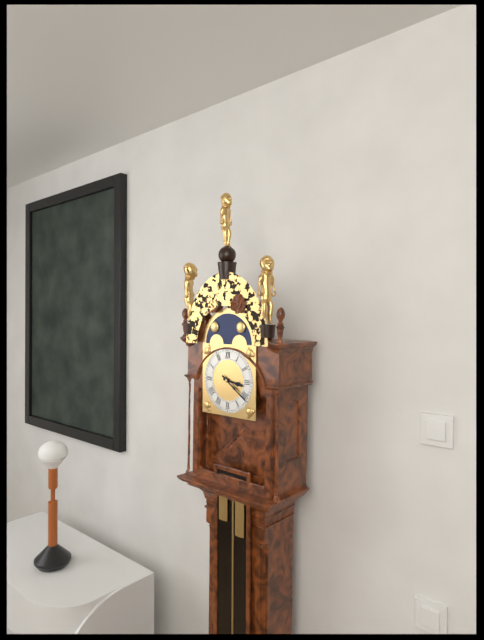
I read 3.21
